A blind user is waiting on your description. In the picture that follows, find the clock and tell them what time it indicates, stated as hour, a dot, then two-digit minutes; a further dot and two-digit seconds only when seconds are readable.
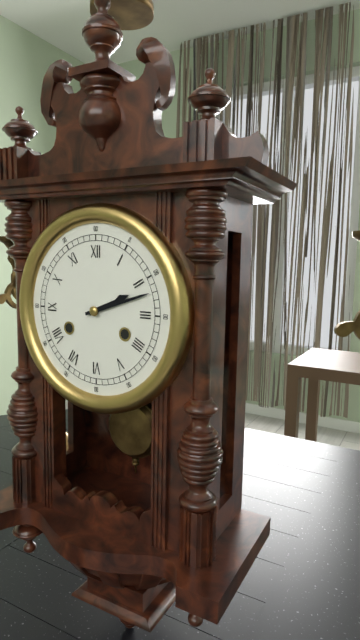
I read 2.12
